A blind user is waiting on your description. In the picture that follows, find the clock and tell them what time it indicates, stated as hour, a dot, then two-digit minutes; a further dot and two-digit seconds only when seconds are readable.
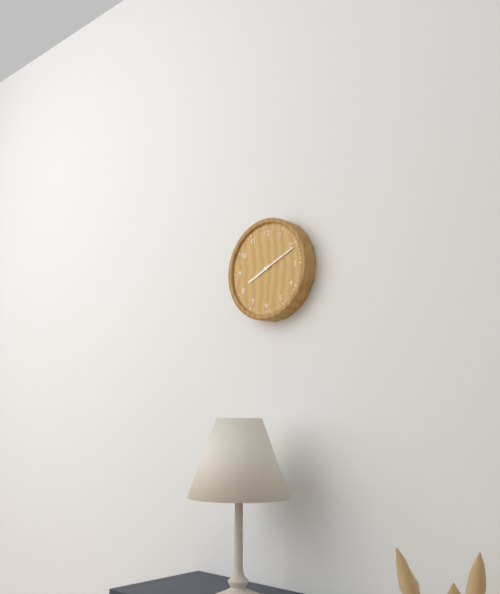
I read 8.11
